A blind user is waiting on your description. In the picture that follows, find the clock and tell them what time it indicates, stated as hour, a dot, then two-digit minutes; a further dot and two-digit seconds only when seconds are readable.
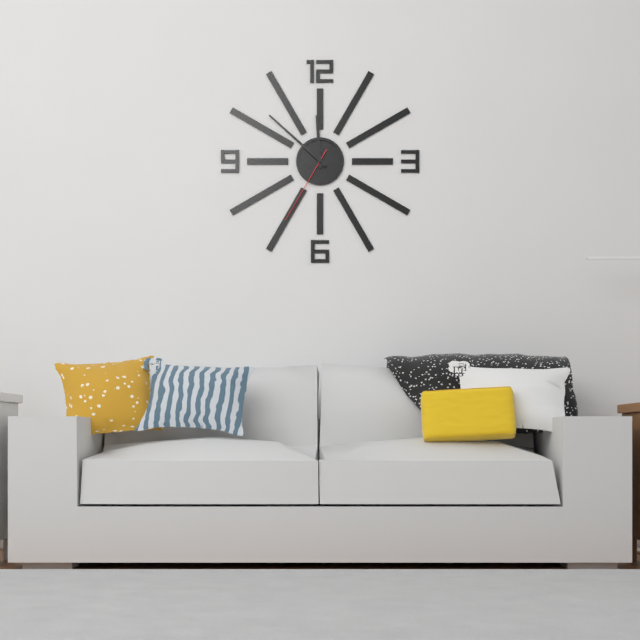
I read 11.52.35
